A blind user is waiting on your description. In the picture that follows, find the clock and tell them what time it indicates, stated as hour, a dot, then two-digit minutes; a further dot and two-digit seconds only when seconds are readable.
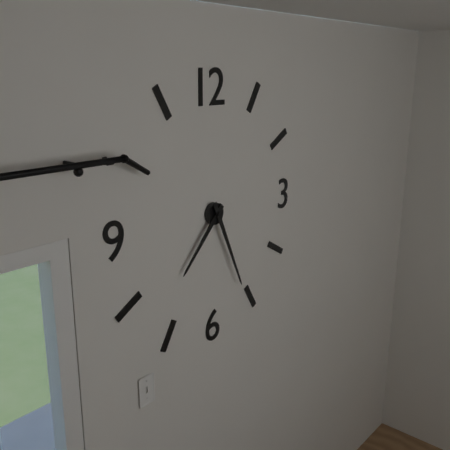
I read 7.26
